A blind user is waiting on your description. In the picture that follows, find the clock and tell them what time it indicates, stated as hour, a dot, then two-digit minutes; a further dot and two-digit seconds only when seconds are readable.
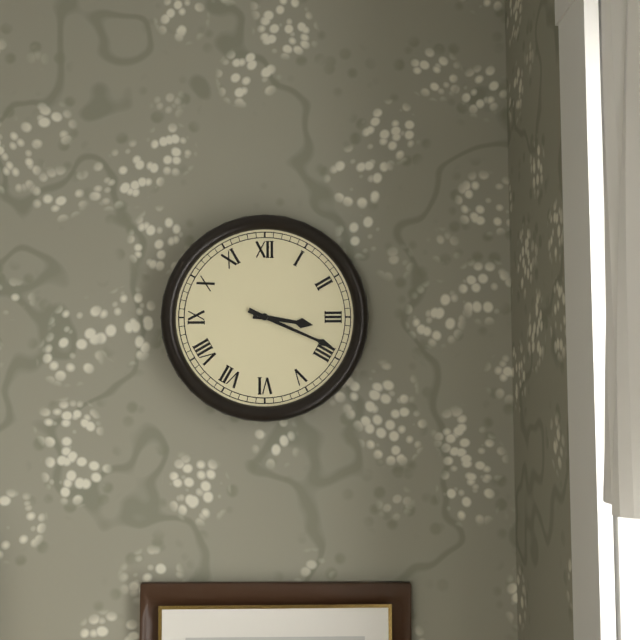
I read 3.19
